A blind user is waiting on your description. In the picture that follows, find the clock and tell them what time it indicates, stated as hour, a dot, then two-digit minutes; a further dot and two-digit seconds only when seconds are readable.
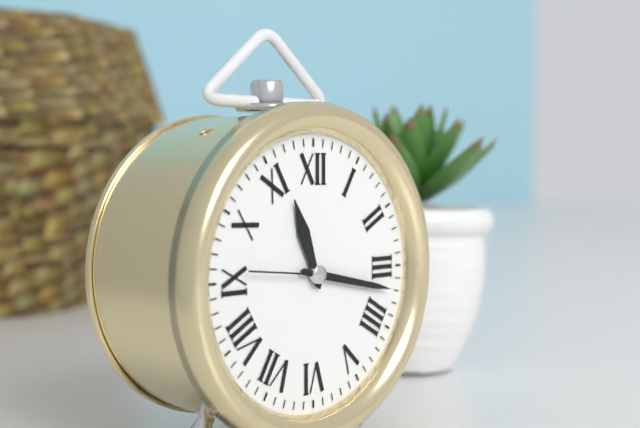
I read 11.17.46
